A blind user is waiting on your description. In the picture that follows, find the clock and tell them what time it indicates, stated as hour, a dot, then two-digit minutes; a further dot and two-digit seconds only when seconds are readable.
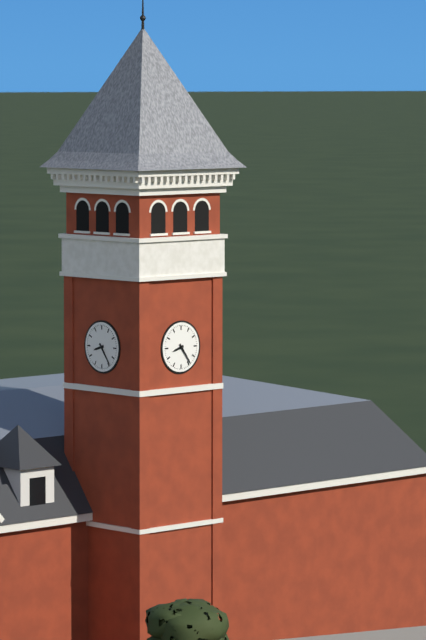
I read 8.24
